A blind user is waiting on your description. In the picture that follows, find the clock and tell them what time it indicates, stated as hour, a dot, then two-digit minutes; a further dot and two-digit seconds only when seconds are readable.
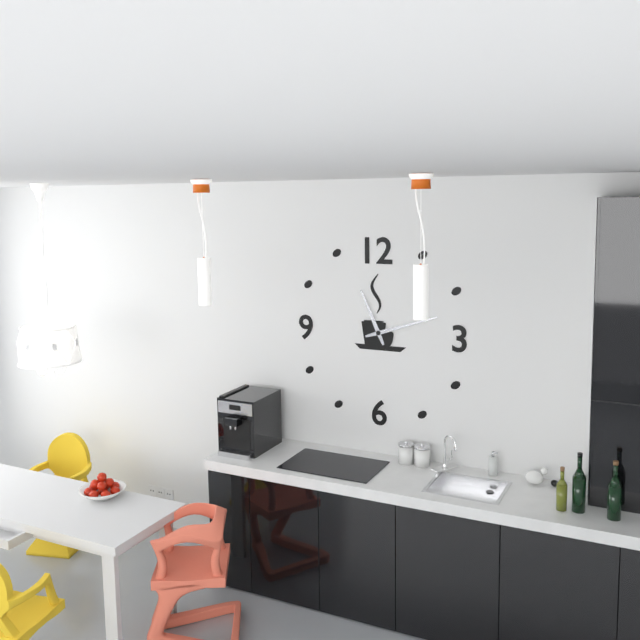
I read 11.12
